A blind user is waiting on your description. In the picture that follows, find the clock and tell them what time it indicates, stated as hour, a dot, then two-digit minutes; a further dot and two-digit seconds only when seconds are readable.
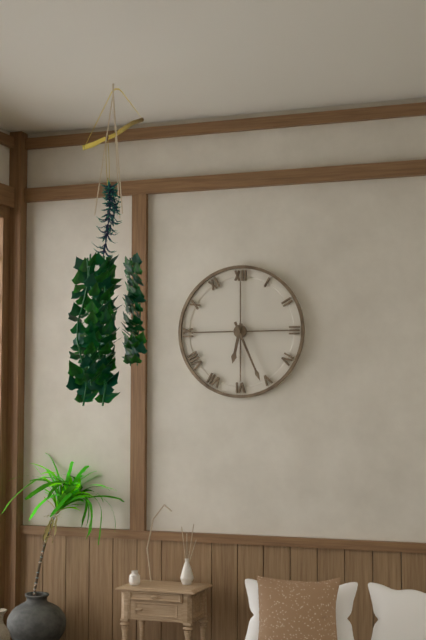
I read 6.26
